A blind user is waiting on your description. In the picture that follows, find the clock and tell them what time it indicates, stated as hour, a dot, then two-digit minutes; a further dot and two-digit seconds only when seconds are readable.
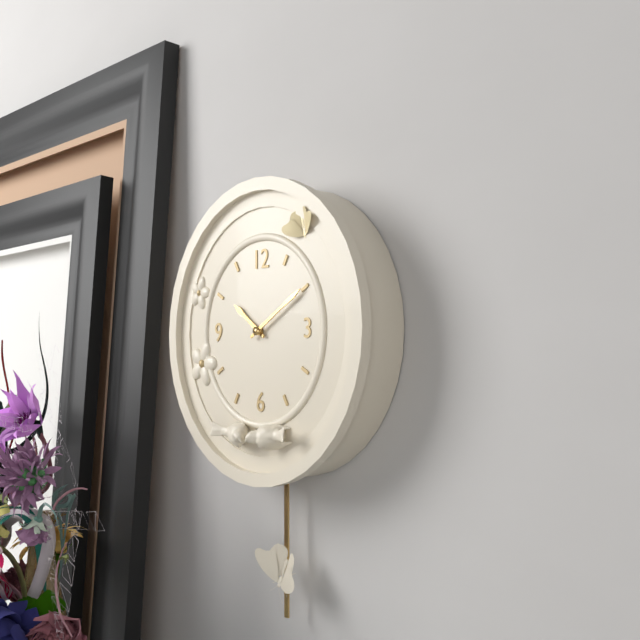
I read 10.10
